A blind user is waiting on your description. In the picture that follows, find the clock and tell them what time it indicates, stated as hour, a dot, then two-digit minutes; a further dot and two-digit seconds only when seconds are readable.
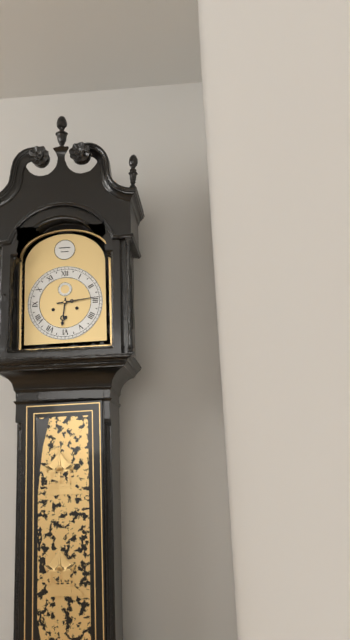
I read 6.14
